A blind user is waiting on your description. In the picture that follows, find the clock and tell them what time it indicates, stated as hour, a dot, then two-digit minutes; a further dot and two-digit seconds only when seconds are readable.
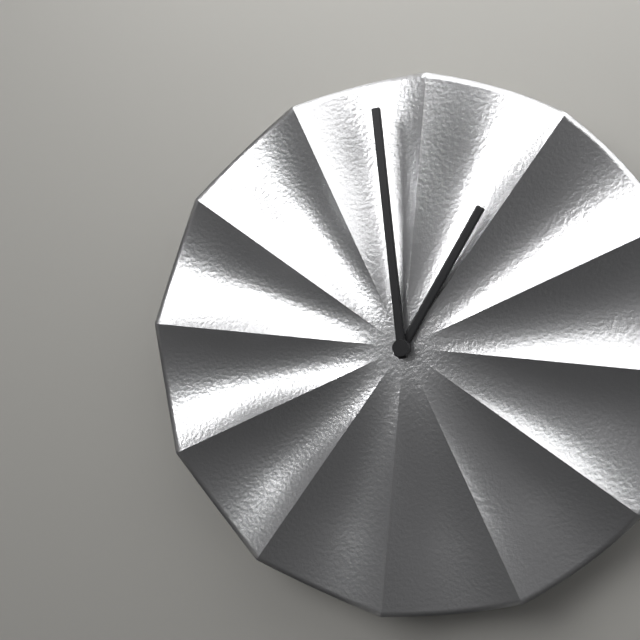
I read 12.59
